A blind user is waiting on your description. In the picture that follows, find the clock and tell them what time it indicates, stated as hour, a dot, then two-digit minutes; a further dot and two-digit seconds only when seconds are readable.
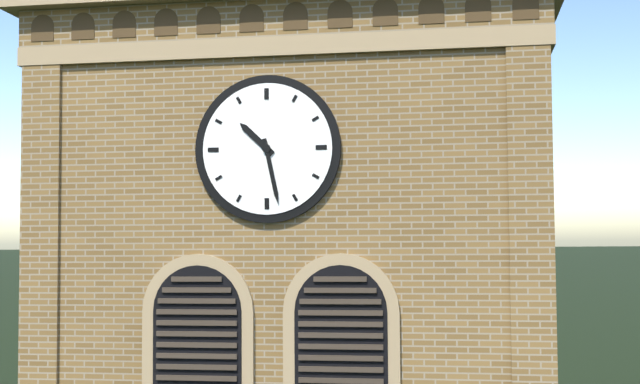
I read 10.28
